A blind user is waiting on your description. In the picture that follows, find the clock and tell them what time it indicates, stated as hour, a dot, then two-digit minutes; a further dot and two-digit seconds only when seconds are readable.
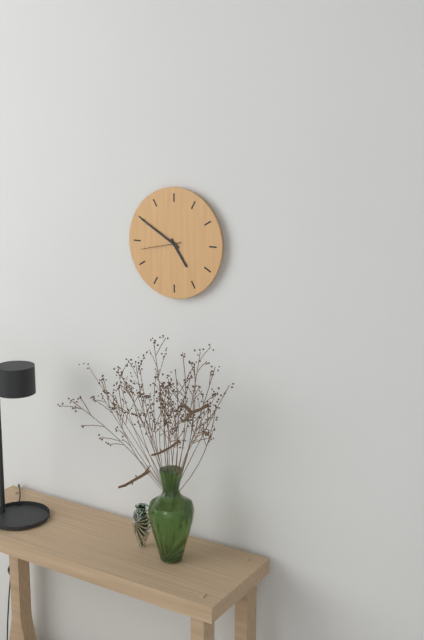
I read 4.50
